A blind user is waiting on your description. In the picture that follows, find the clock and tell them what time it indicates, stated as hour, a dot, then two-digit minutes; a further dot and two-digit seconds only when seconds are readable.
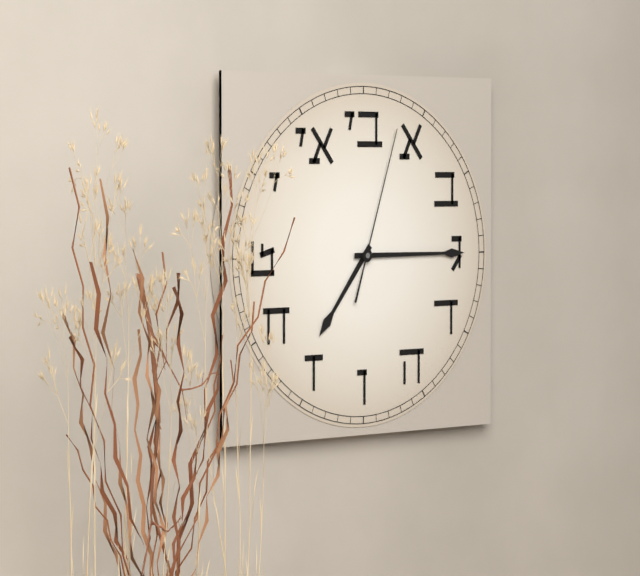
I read 7.15.03
